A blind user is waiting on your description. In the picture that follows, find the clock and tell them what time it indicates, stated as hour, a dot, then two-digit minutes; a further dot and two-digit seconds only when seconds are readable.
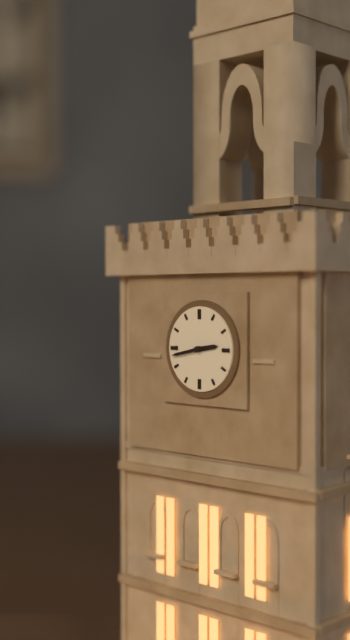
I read 2.43
